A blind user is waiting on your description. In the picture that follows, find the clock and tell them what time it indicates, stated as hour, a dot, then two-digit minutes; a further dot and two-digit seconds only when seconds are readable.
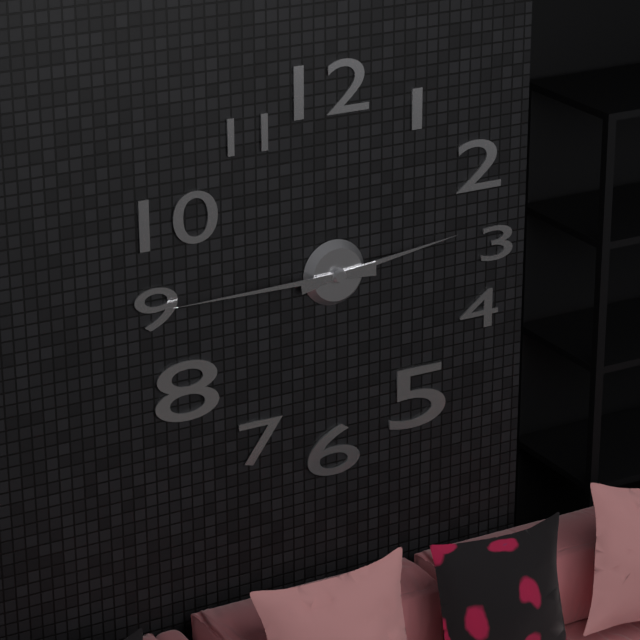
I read 2.45
